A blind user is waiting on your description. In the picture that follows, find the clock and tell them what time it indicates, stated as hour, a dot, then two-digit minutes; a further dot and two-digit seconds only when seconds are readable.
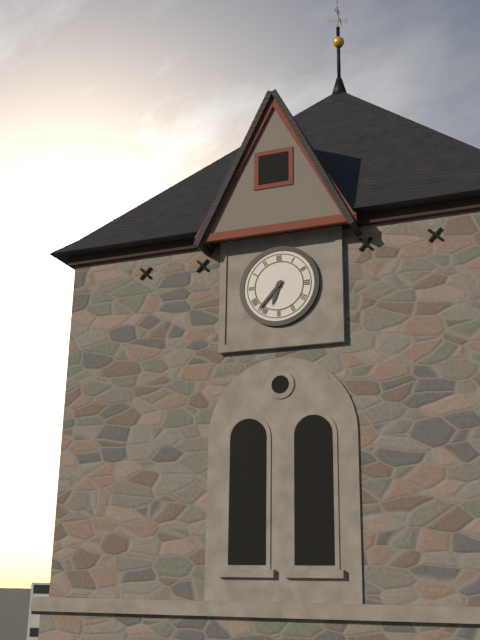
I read 6.37
